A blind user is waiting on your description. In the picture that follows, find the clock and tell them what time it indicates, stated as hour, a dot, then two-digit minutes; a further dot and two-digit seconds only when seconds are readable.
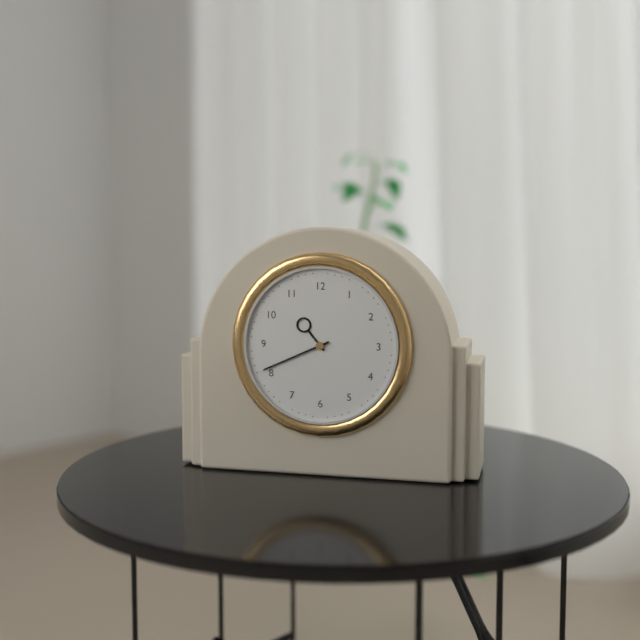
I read 10.41
